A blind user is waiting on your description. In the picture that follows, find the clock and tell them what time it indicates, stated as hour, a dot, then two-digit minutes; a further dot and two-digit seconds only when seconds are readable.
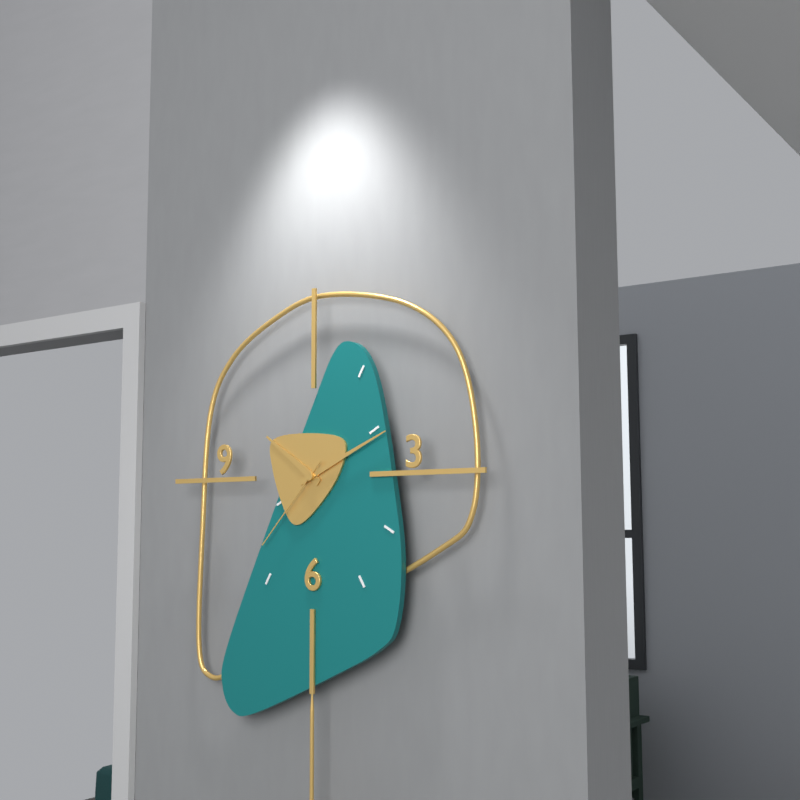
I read 10.11.37
